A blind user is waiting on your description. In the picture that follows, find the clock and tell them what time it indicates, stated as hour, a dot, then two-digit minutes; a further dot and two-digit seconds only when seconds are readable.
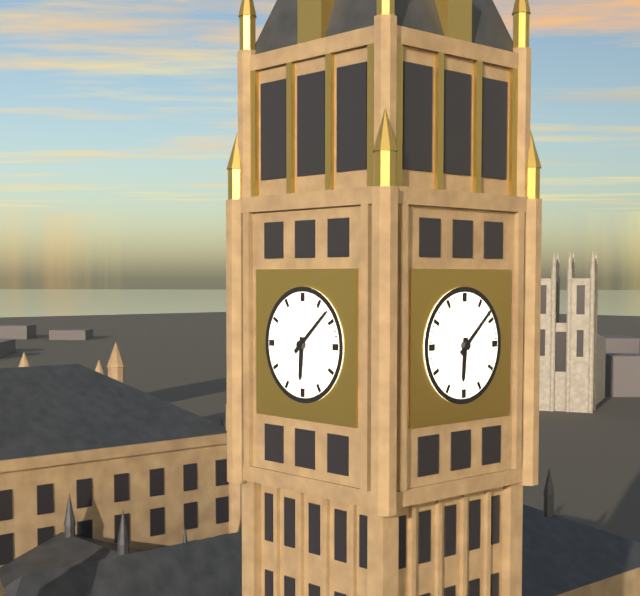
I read 6.08
